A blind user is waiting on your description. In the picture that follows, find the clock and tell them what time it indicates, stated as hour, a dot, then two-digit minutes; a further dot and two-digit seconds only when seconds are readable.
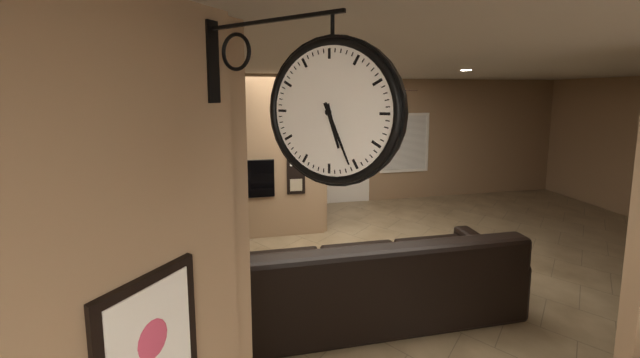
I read 5.26
